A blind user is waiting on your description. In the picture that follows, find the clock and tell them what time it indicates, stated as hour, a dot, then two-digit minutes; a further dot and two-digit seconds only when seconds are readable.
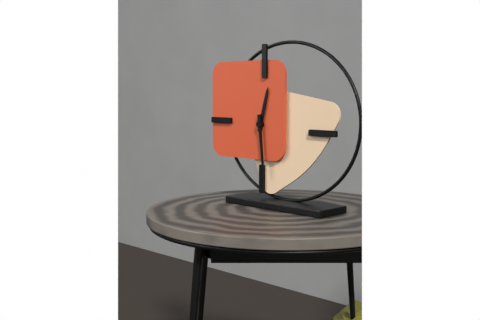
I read 12.29
